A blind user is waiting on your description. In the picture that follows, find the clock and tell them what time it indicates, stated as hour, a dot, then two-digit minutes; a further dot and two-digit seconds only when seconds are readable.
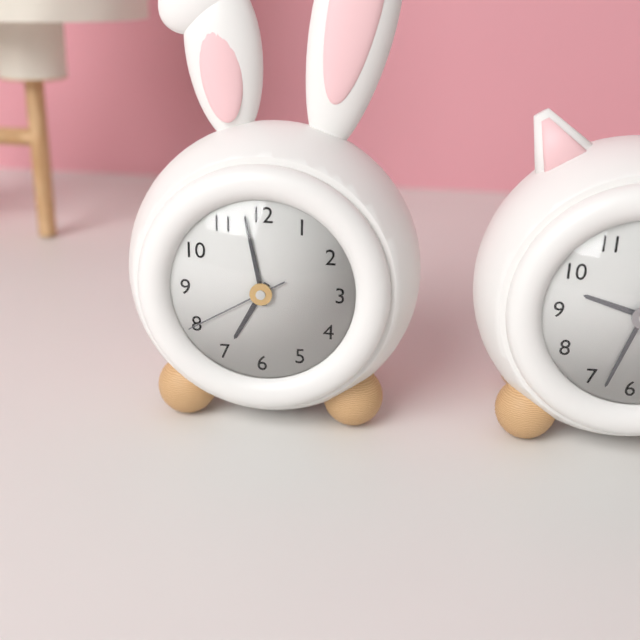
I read 6.58.40
